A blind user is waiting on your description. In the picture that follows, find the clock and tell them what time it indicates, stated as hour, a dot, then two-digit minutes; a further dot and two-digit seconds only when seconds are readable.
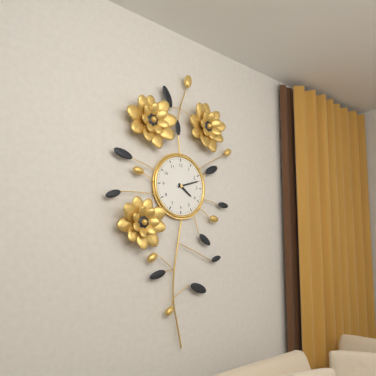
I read 4.12
